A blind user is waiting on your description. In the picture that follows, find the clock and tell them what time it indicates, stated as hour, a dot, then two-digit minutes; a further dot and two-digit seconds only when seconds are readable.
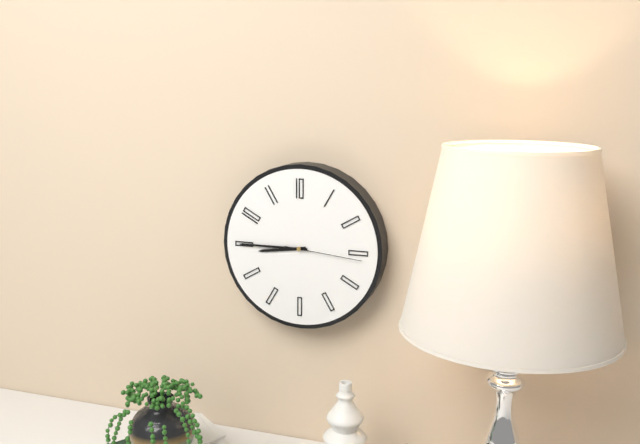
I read 8.45.16
